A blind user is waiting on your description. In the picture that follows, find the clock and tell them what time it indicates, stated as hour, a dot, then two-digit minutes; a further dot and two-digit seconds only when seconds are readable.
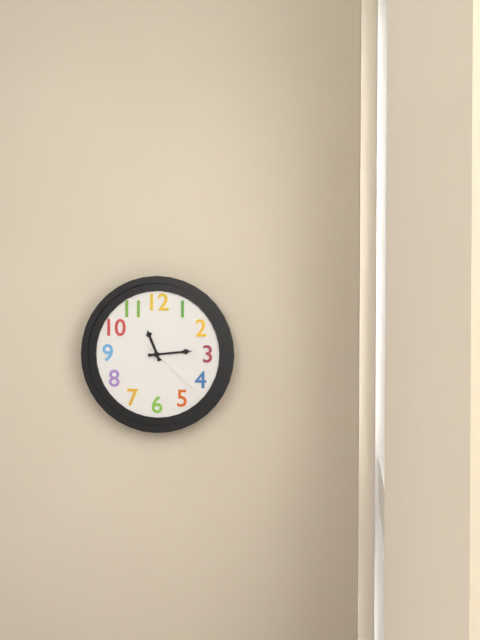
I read 11.14.22
